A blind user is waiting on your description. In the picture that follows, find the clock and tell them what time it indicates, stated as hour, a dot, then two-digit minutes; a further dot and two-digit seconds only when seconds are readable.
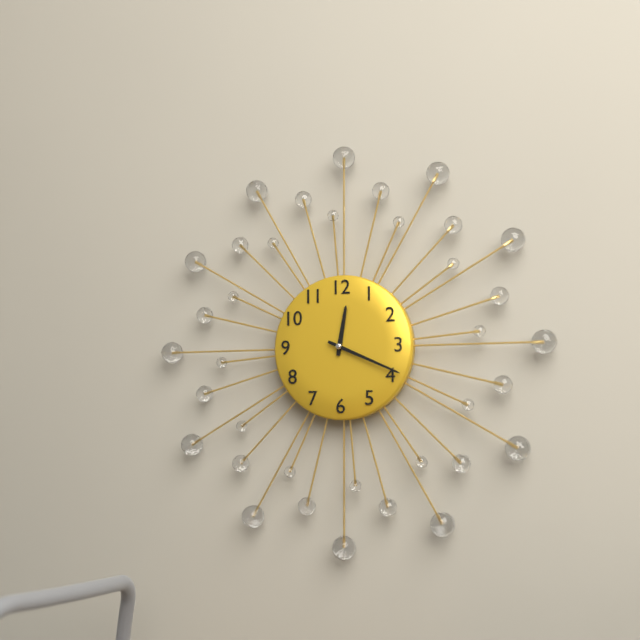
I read 12.19
